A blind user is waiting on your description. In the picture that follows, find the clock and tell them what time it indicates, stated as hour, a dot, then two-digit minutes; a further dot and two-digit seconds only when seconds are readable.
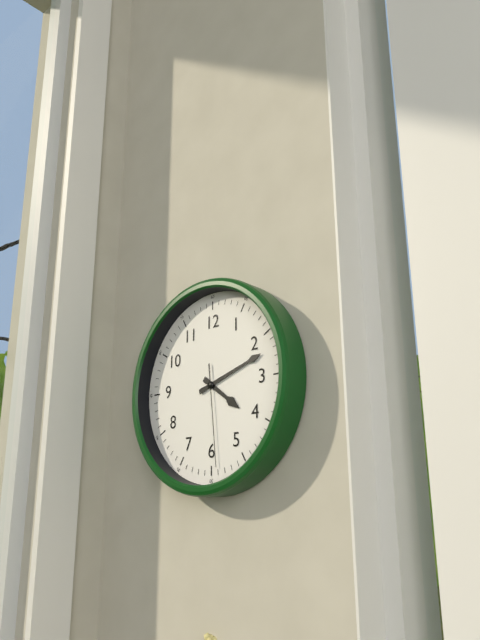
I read 4.12.29
